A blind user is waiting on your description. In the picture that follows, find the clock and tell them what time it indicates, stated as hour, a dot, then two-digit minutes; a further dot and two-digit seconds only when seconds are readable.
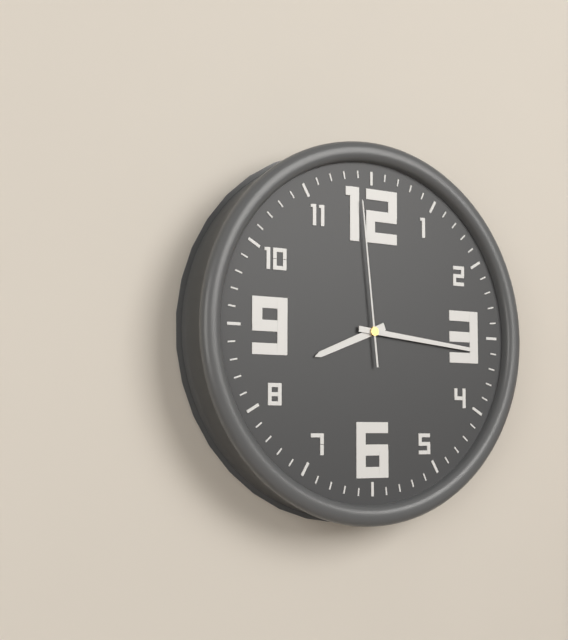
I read 8.16.59
